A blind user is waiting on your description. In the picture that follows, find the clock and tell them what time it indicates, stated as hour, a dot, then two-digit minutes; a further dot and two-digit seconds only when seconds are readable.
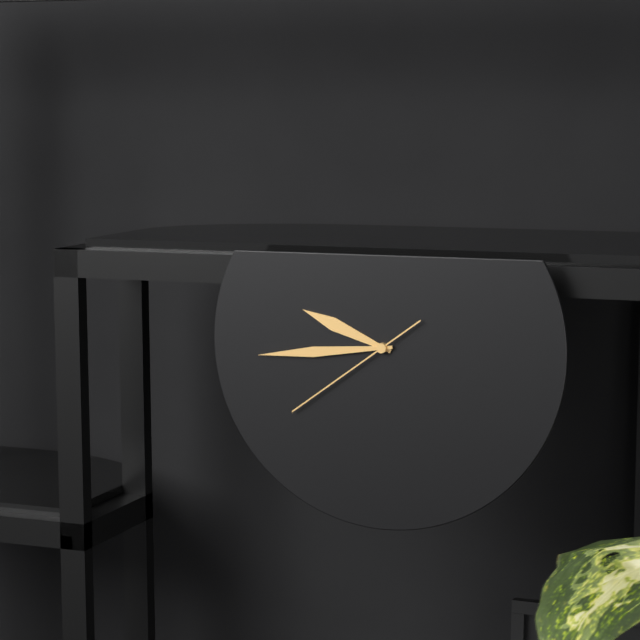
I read 9.44.39
